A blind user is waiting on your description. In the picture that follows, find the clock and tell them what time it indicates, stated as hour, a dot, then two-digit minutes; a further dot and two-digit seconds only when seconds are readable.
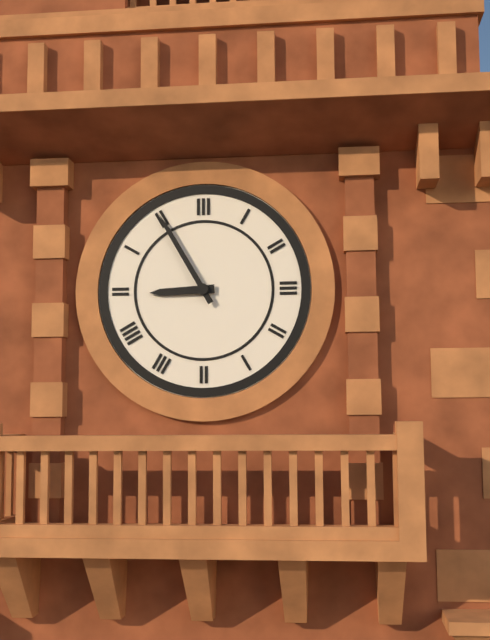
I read 8.55
